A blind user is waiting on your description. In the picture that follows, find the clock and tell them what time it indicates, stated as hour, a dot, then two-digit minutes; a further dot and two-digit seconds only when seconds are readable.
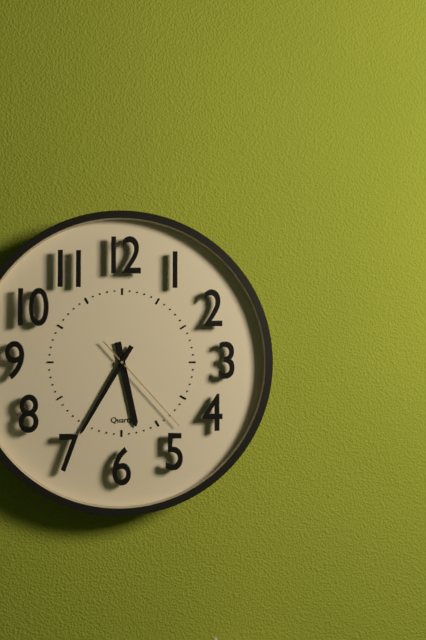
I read 5.35.23
